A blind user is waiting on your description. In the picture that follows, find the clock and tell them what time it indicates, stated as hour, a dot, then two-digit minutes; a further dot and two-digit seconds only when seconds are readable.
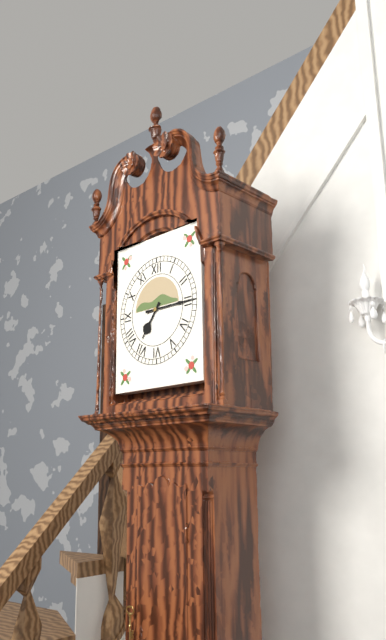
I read 7.15
